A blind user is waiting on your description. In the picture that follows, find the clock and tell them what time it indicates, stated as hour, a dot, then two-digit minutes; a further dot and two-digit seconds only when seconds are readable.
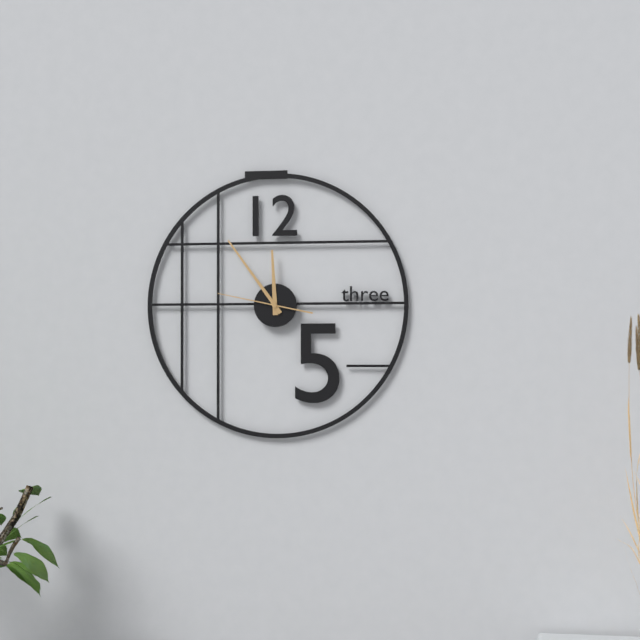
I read 11.54.47
